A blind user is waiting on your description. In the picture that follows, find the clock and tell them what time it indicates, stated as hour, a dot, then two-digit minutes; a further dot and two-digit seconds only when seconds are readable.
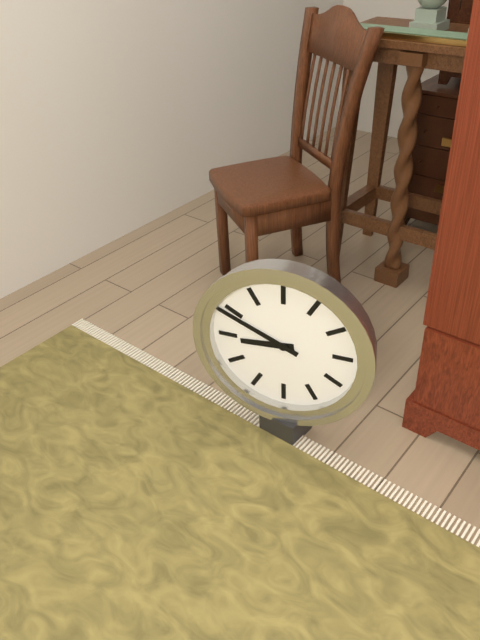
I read 8.49
